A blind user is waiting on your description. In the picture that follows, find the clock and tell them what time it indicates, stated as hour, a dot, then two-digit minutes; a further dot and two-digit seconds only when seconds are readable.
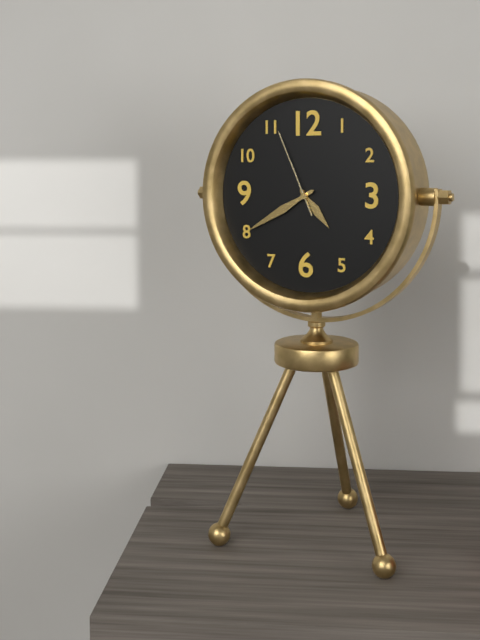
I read 4.40.56
